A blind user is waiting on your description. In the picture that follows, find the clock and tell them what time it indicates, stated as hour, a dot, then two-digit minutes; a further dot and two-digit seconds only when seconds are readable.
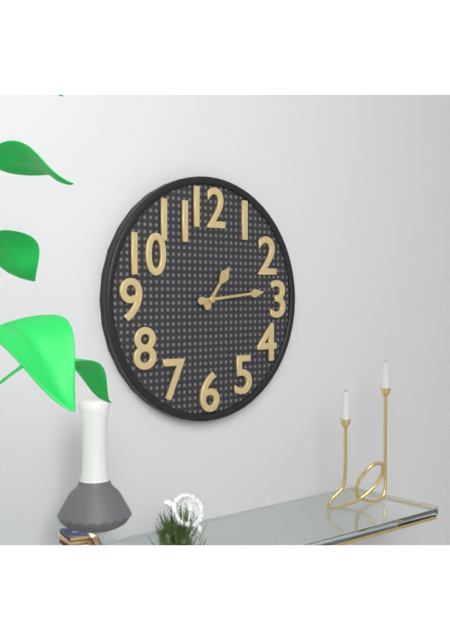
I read 1.14
